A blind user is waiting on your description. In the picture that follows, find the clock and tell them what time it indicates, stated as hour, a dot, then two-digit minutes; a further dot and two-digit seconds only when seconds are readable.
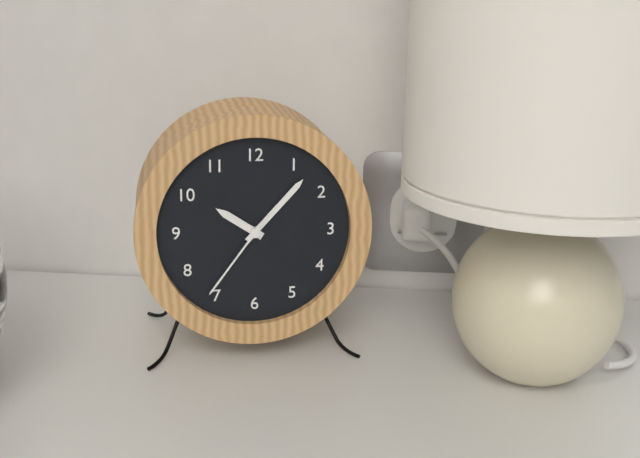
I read 10.07.36
